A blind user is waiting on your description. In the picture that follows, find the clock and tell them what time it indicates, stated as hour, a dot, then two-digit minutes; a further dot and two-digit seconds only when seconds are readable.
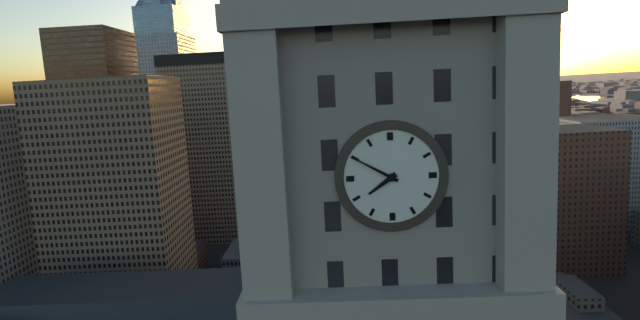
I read 7.50
